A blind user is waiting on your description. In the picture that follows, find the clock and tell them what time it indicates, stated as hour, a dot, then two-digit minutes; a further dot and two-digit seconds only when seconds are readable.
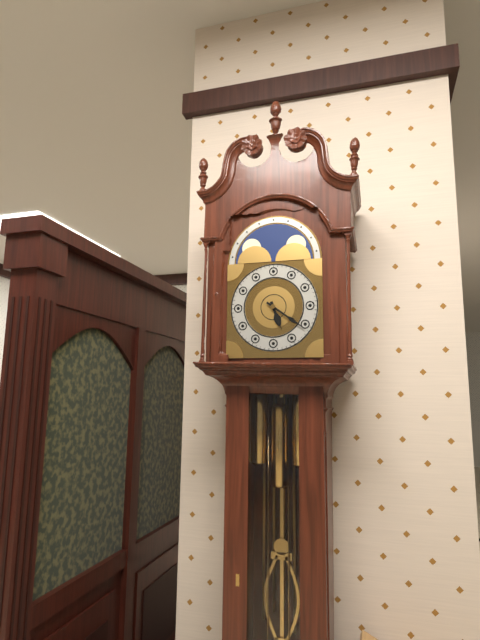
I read 5.21
